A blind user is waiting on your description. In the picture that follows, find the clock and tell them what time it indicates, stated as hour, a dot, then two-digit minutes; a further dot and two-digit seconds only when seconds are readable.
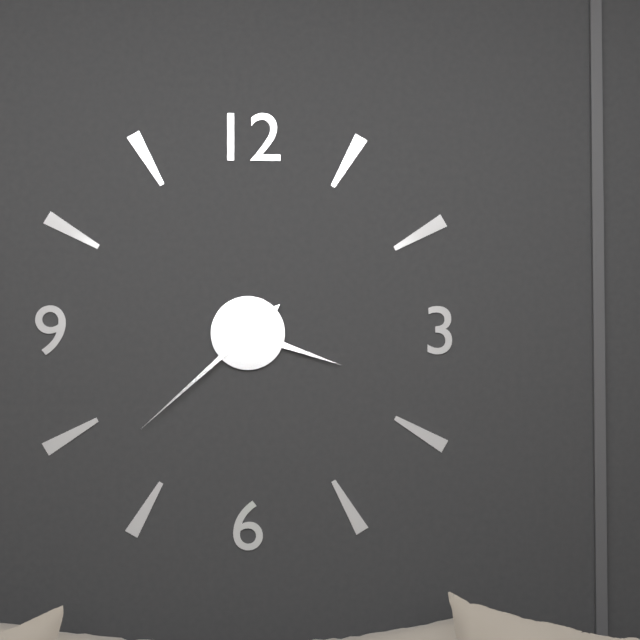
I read 3.38
